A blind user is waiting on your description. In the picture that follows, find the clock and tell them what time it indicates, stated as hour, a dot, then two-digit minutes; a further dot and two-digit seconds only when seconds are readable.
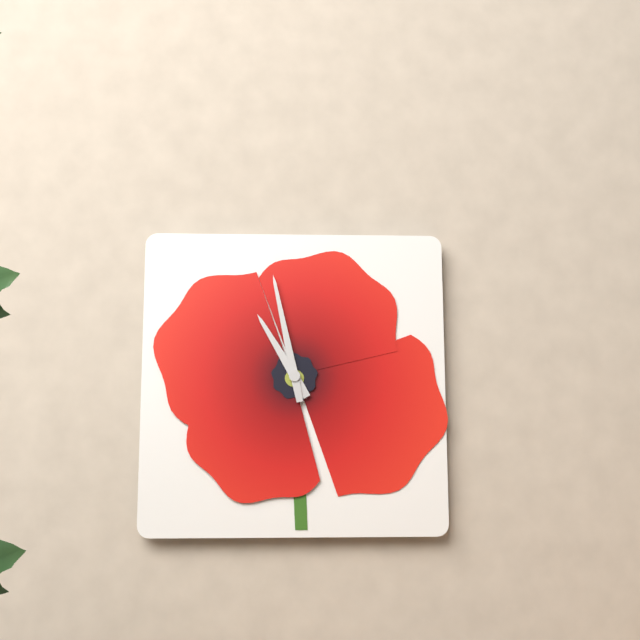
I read 10.58
